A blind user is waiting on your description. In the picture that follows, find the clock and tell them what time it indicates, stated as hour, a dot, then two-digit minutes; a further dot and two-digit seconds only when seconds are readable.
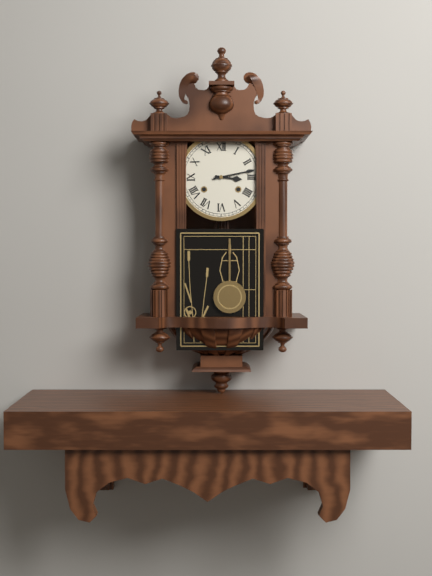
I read 3.13
